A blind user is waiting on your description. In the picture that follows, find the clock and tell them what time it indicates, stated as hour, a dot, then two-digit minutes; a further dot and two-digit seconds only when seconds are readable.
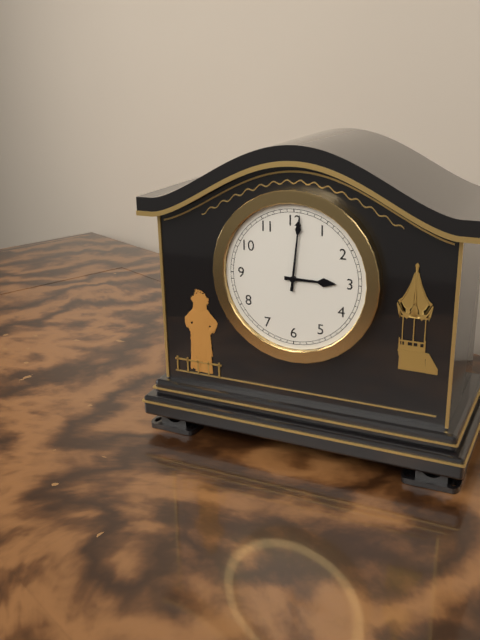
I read 3.01
